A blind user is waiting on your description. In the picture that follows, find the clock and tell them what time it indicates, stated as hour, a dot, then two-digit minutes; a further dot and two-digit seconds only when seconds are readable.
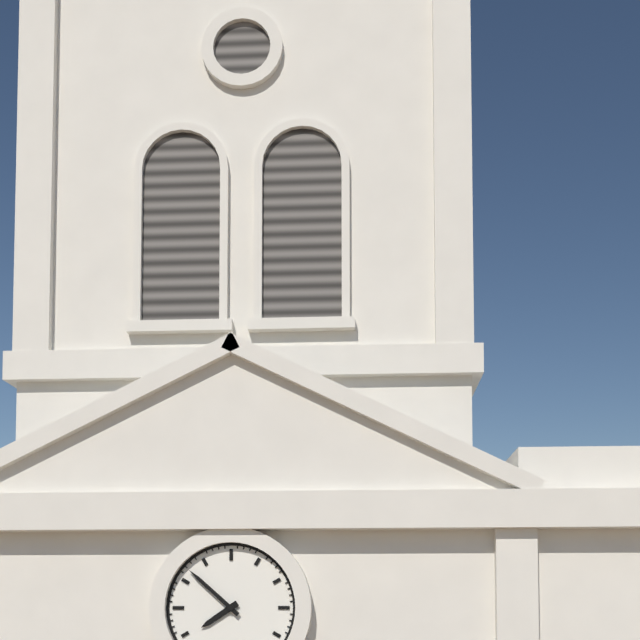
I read 7.52
